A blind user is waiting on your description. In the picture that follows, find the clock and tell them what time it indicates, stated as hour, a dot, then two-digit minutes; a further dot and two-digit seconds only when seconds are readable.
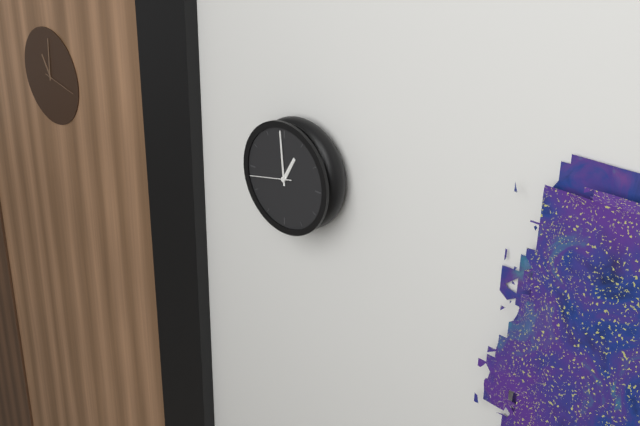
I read 12.59
